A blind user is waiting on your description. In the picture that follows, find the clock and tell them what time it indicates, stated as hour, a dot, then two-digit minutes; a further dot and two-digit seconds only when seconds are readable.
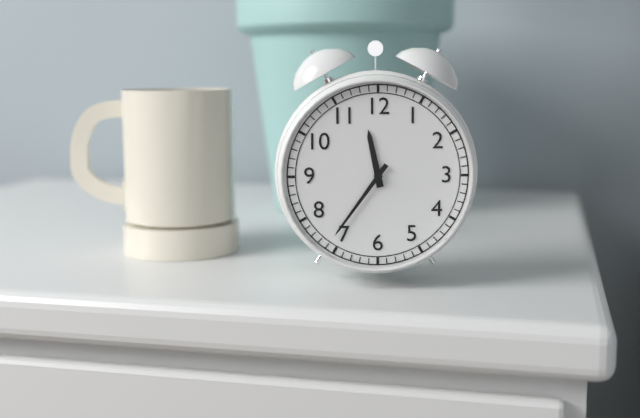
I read 11.36
